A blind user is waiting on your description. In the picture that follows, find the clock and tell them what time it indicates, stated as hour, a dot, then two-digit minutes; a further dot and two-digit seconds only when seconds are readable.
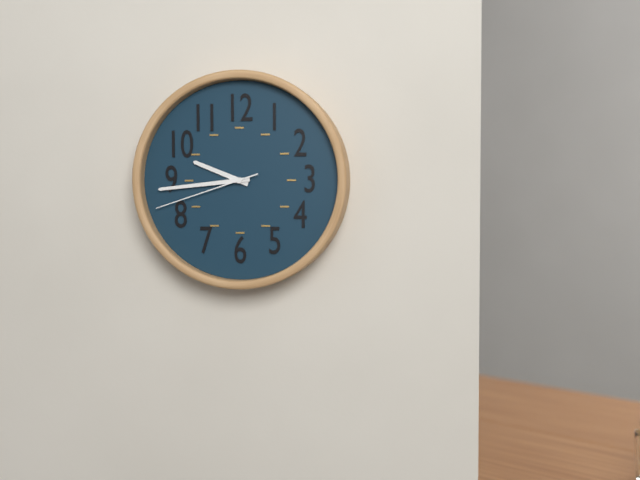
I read 9.44.42
